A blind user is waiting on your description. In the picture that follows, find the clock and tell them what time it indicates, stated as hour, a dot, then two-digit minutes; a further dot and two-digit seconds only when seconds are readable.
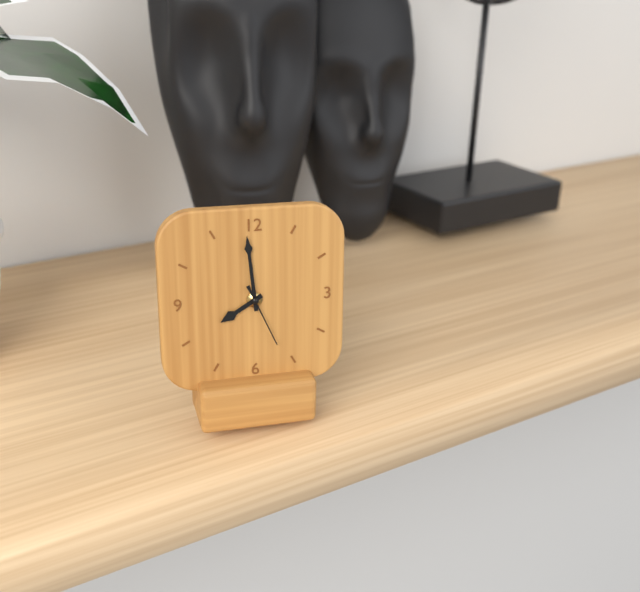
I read 7.59.26
